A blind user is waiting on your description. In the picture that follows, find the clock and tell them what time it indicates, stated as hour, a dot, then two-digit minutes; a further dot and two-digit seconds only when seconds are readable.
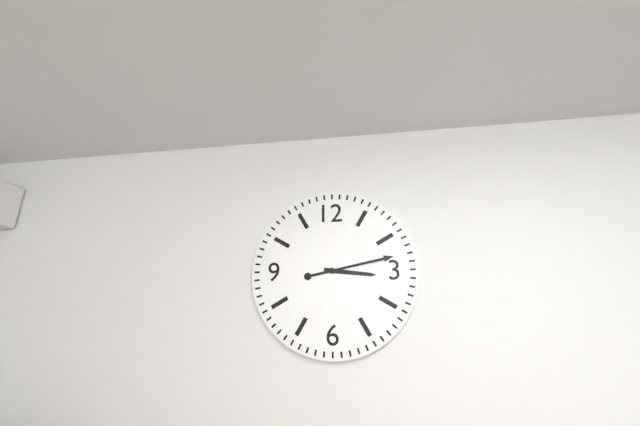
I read 3.13
